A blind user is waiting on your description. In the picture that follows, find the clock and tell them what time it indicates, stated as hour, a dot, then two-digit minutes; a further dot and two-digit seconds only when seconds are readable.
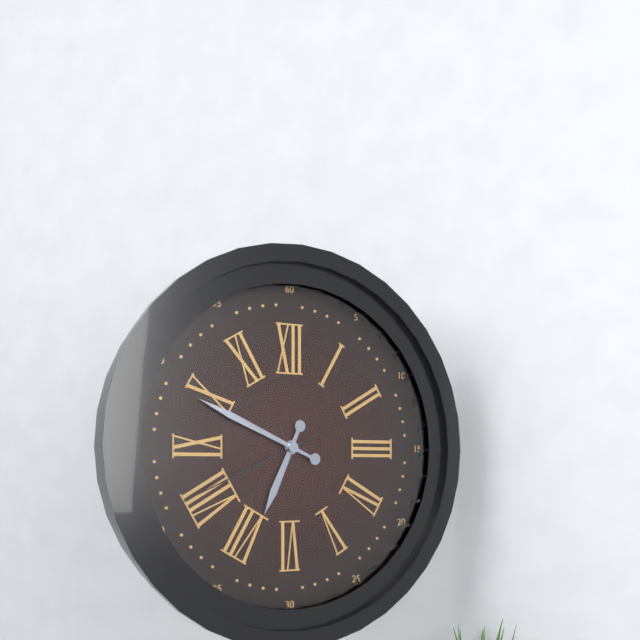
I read 6.49.41
